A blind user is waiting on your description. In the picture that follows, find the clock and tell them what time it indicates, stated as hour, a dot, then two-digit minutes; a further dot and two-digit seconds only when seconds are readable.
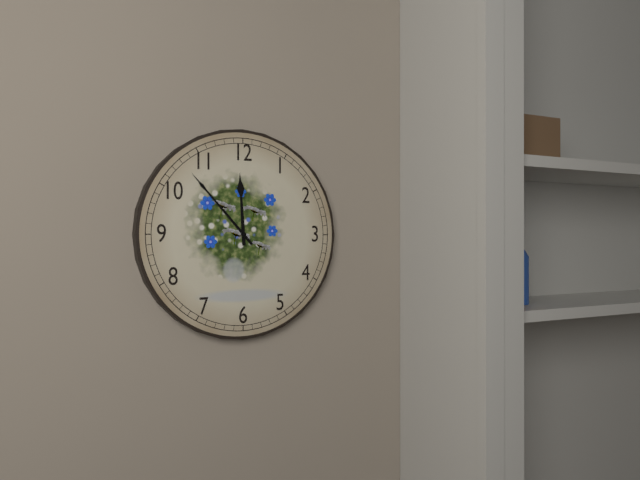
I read 11.53
